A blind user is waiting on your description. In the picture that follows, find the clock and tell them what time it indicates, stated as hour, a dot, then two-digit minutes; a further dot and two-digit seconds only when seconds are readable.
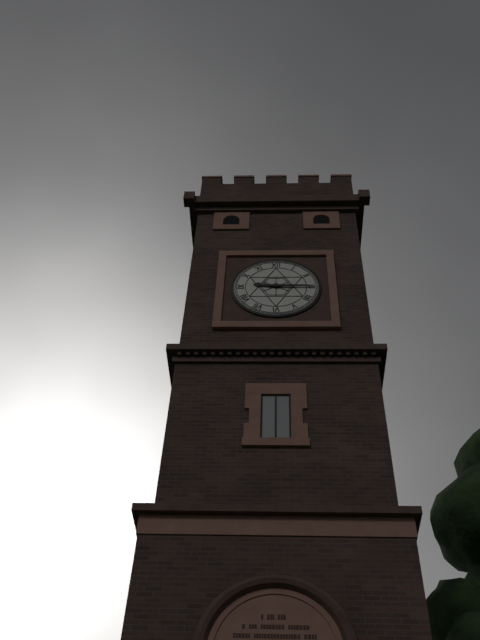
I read 9.15
